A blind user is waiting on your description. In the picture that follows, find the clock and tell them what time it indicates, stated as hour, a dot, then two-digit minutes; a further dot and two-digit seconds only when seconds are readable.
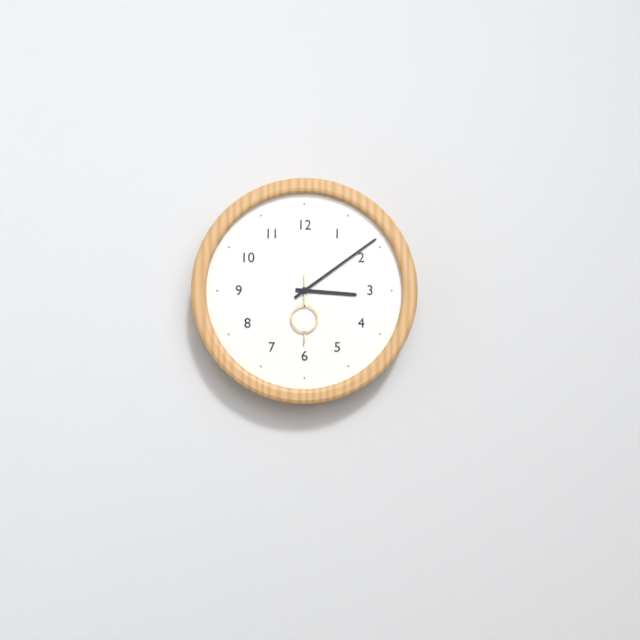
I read 3.09.30
